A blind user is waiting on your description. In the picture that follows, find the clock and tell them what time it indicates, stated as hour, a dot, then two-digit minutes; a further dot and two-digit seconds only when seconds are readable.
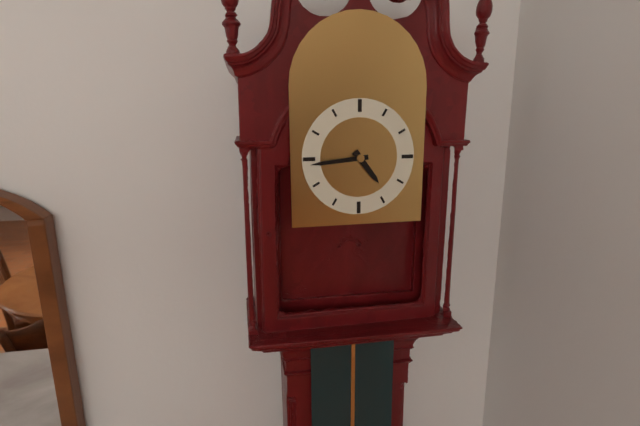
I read 4.44
